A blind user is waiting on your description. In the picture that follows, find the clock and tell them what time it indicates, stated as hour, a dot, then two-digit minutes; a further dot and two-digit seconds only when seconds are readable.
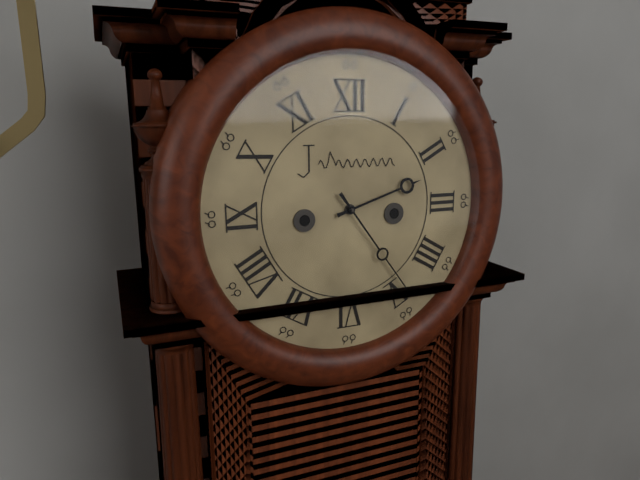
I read 2.24
